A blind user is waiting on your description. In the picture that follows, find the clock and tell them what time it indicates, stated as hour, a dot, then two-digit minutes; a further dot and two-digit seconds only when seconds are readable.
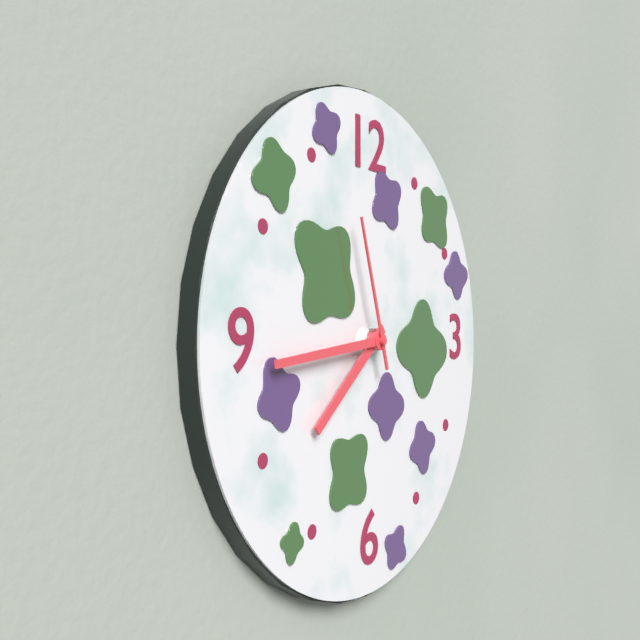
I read 7.44.57
